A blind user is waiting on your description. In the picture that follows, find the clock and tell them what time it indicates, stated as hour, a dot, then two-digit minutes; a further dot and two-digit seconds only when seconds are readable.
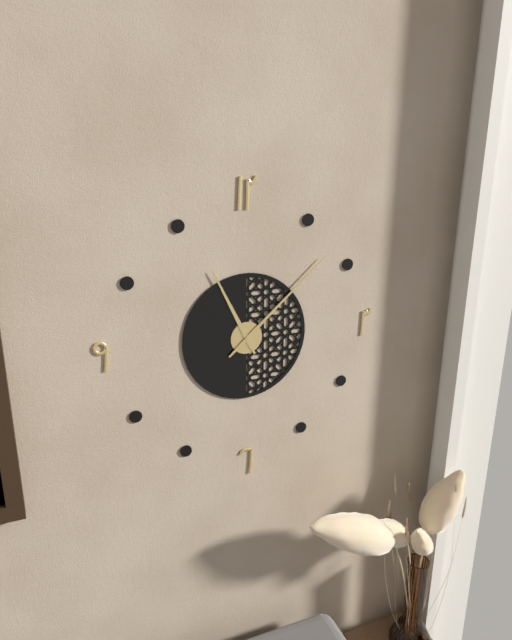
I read 11.08
